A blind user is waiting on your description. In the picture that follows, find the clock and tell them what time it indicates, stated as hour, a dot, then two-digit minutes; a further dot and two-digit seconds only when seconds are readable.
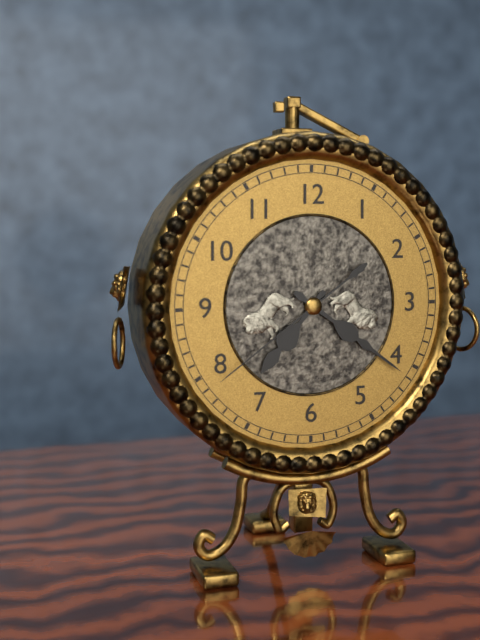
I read 7.21.39
